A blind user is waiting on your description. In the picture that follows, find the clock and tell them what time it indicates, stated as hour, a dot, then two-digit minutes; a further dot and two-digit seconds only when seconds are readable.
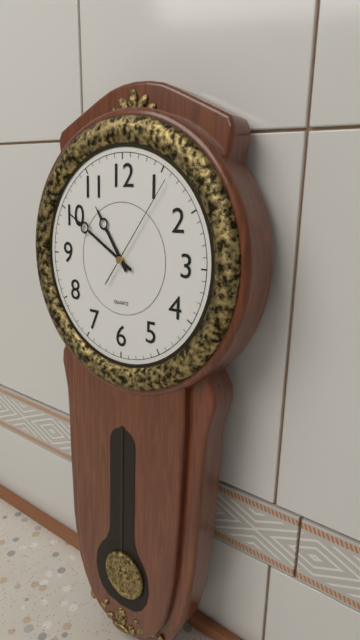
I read 10.50.06
